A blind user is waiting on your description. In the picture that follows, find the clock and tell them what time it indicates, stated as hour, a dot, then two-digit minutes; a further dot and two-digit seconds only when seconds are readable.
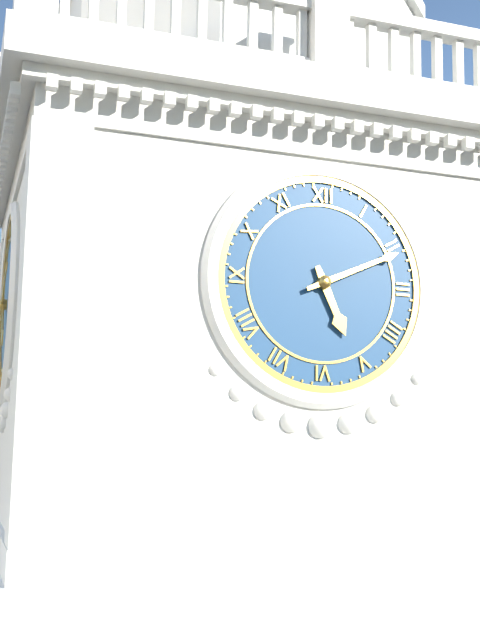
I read 5.11
